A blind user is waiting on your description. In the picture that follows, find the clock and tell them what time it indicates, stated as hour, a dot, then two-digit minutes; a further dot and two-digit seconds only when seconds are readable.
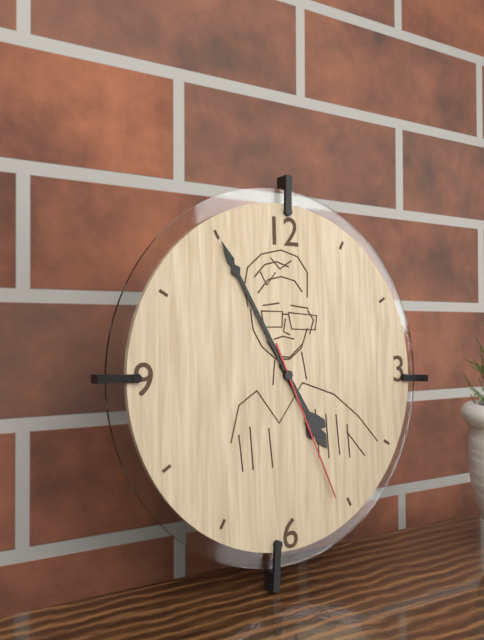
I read 4.55.26
